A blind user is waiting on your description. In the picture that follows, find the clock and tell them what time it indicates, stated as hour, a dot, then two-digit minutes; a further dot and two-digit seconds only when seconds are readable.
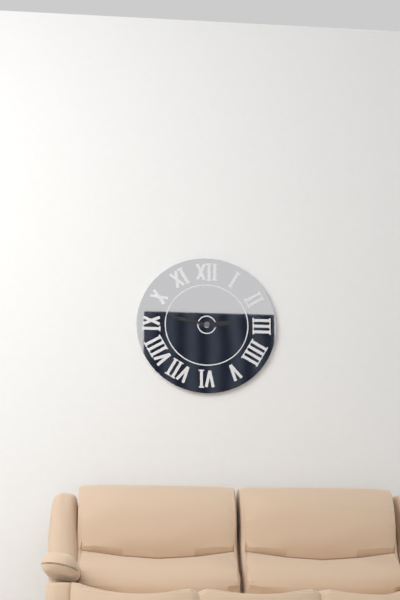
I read 2.47
